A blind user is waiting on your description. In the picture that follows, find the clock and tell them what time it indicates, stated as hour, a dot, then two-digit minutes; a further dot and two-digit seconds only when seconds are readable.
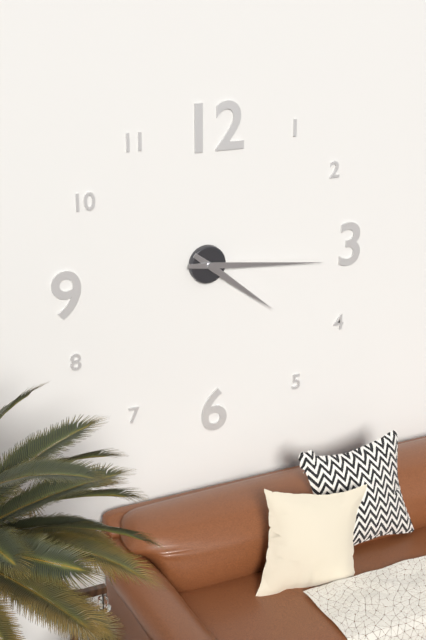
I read 4.16
